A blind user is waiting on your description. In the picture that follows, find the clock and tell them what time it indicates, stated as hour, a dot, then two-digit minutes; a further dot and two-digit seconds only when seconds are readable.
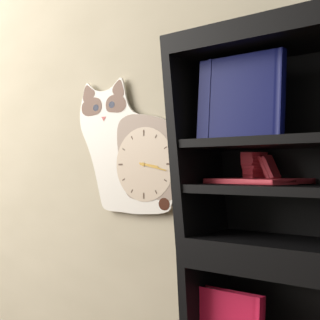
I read 3.17
